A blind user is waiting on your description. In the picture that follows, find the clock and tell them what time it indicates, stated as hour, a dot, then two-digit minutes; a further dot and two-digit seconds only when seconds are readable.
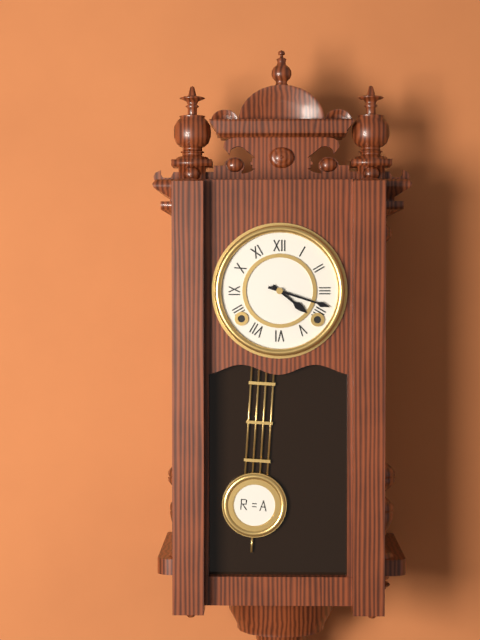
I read 4.18
